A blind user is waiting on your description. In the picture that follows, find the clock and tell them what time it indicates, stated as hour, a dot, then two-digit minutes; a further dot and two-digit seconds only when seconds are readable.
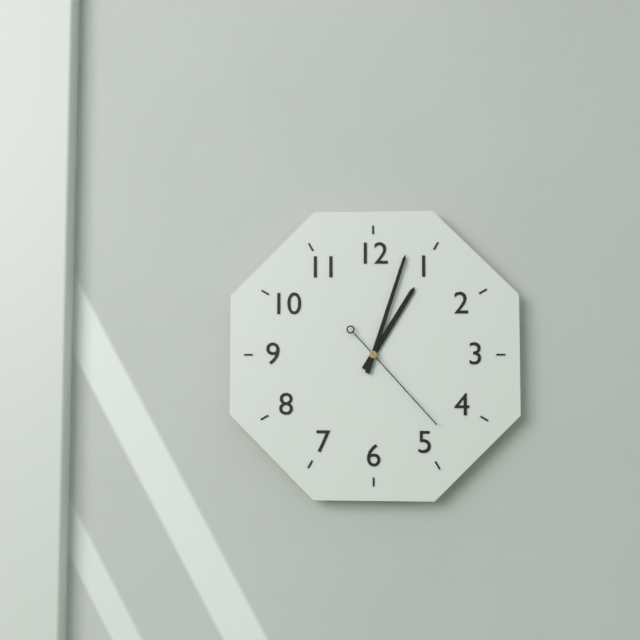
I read 1.03.23
